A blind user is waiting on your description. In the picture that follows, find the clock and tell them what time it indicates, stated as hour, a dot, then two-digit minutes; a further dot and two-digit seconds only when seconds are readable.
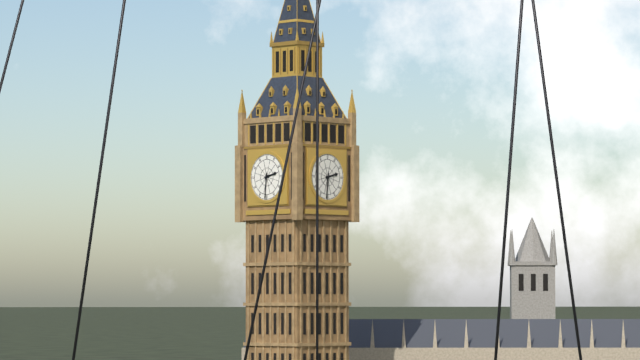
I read 2.31
